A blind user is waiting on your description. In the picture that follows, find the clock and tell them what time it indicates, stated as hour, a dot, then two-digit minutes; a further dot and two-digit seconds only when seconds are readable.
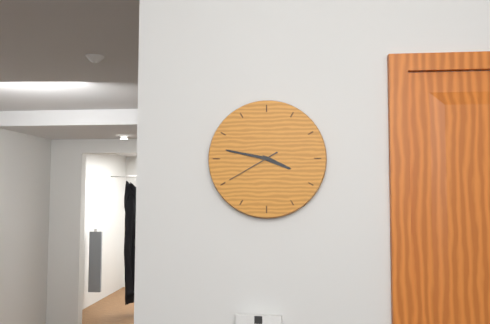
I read 3.47.40
